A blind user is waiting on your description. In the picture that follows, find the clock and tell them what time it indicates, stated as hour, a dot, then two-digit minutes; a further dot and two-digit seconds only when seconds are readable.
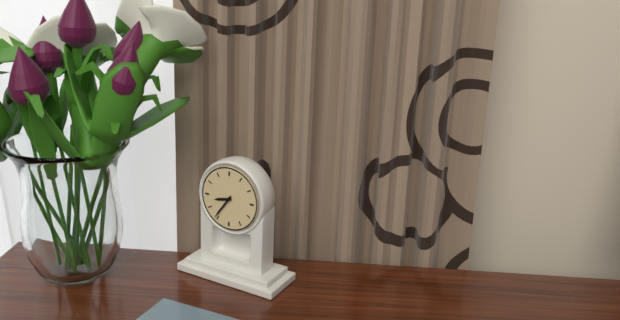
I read 8.36
